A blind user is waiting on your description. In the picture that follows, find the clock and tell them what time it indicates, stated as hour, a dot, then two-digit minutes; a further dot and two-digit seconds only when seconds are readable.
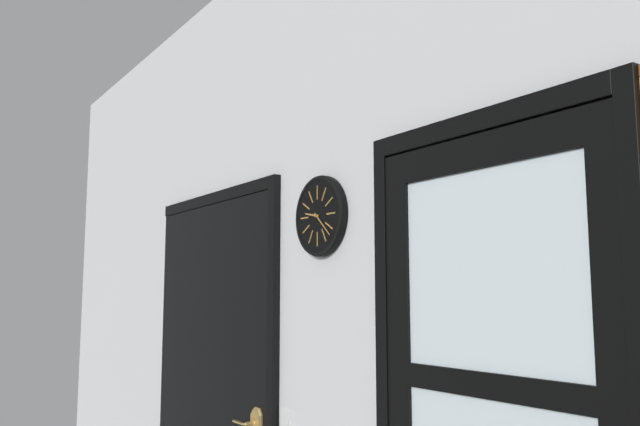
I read 9.22
